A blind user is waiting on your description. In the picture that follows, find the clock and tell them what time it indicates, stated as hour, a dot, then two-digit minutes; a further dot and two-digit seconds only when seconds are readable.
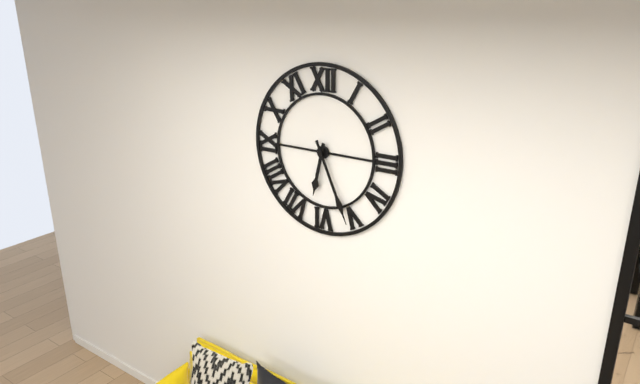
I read 6.26
